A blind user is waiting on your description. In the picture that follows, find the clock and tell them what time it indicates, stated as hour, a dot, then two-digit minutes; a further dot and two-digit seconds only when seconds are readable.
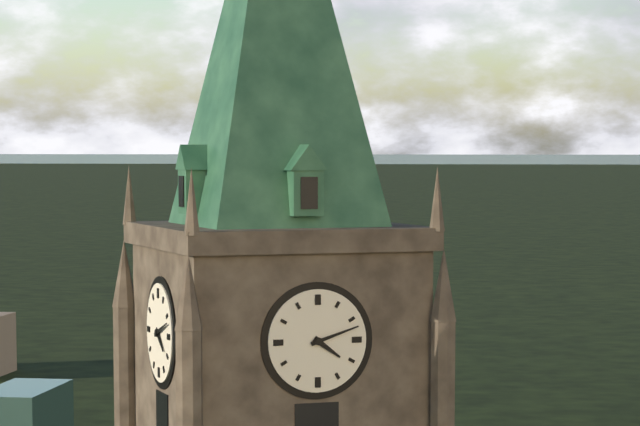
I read 4.12
